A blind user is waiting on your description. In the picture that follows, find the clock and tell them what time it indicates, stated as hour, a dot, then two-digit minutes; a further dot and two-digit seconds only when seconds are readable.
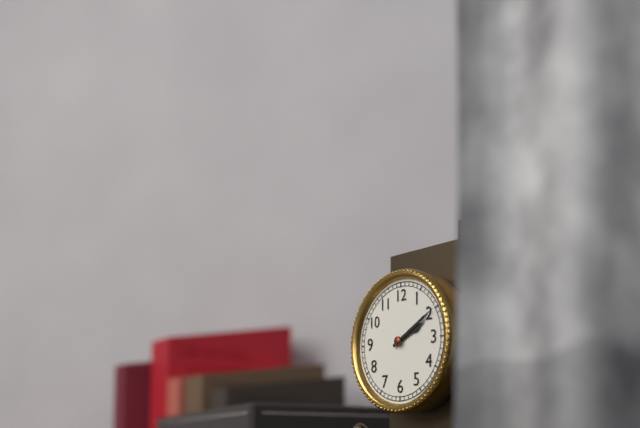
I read 2.10
